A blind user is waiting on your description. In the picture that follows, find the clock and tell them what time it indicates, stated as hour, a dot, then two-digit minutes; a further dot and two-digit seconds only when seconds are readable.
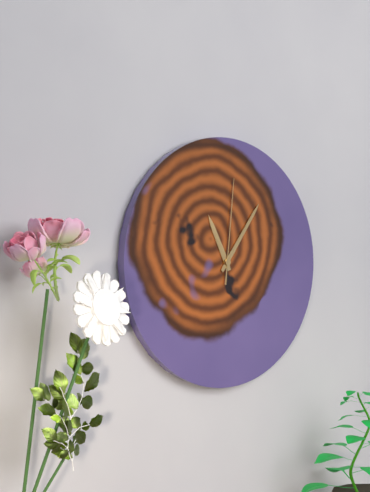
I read 11.06.01
